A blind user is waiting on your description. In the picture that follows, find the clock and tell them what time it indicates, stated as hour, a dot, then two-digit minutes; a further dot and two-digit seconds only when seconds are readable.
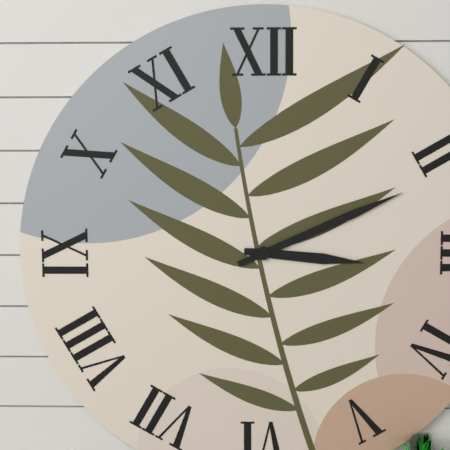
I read 3.11
